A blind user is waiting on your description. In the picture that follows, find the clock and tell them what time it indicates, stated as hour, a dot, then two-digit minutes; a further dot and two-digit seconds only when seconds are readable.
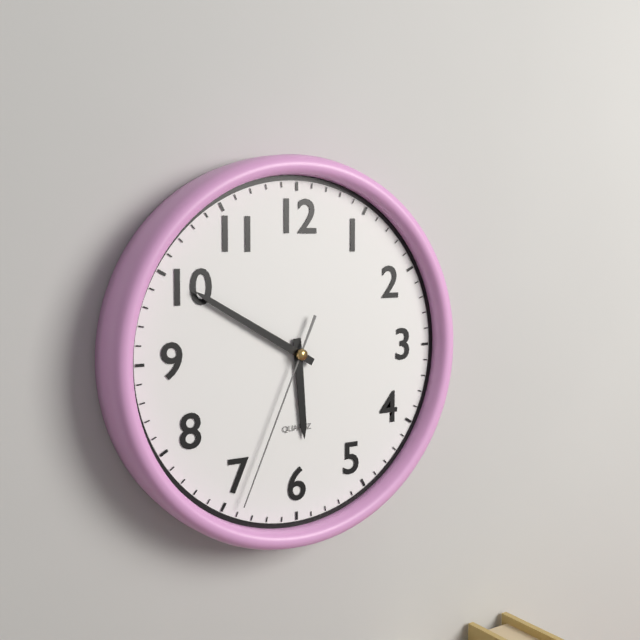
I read 5.50.34
